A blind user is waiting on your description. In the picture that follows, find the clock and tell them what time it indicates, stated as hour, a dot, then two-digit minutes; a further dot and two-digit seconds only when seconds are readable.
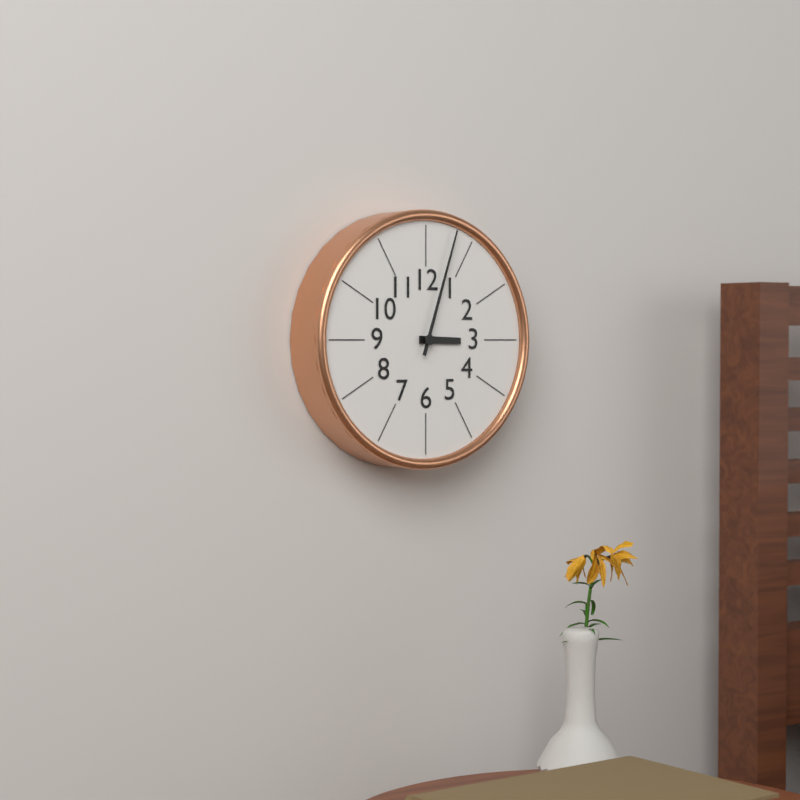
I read 3.03
